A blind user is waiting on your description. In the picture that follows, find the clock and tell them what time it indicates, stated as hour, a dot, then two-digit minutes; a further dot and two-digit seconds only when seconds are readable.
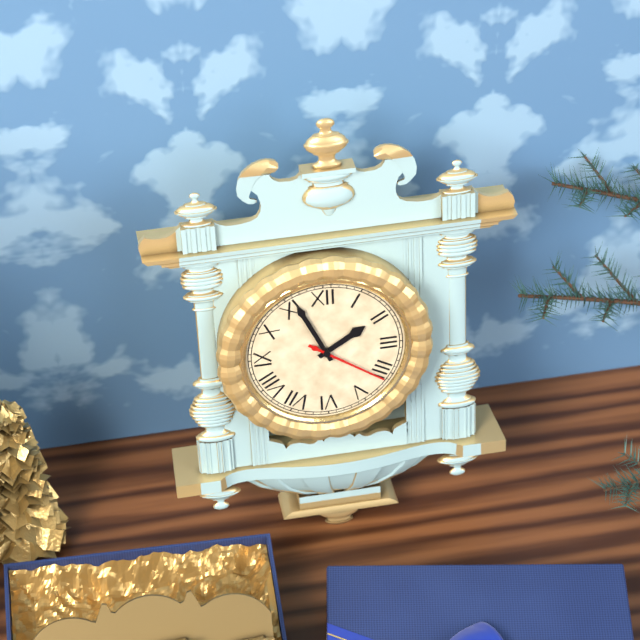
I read 1.56.21
